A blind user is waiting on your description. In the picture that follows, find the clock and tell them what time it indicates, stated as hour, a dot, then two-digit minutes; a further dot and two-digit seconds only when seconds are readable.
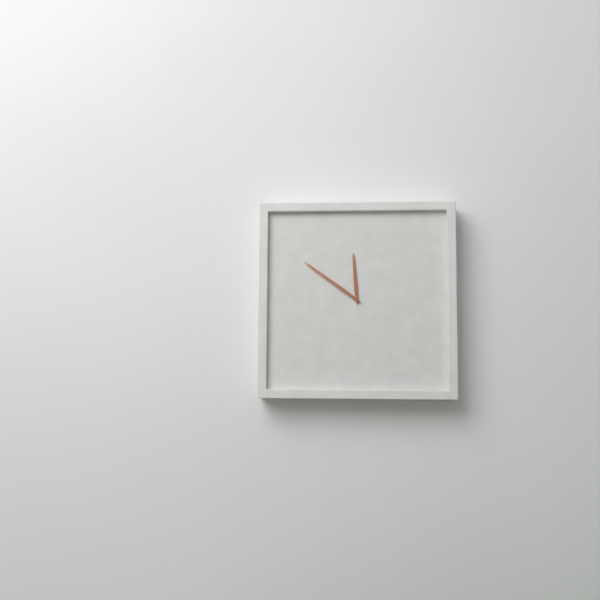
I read 11.51
